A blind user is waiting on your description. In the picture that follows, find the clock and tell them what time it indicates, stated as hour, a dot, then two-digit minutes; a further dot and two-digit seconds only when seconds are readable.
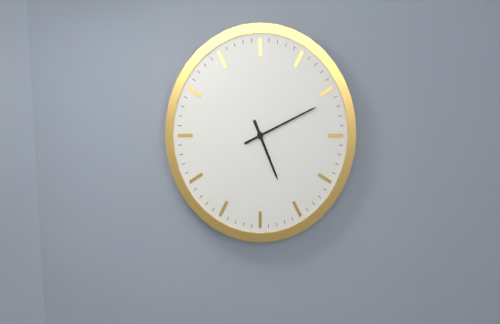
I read 5.11
